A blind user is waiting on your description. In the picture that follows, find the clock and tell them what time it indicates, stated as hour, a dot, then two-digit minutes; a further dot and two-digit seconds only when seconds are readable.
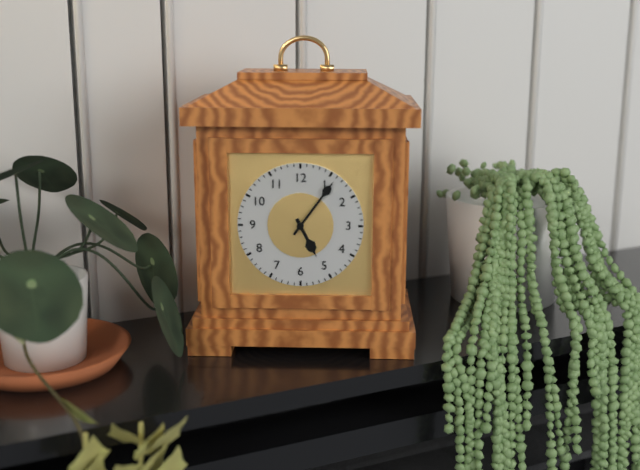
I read 5.06
